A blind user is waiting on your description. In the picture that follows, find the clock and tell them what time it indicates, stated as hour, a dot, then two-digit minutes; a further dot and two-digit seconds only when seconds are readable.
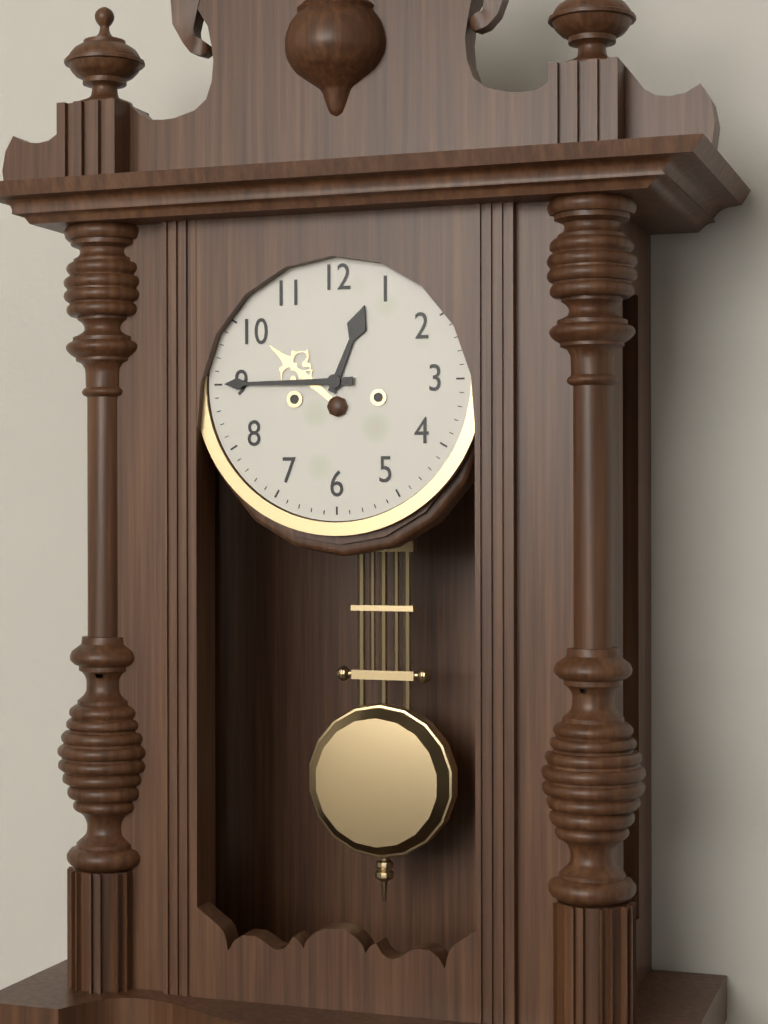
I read 12.45
